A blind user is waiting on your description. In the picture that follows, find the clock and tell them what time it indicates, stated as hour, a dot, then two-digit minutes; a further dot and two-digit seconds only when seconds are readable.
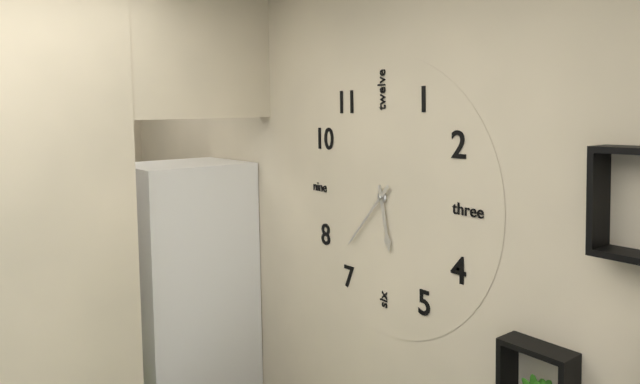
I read 5.37
